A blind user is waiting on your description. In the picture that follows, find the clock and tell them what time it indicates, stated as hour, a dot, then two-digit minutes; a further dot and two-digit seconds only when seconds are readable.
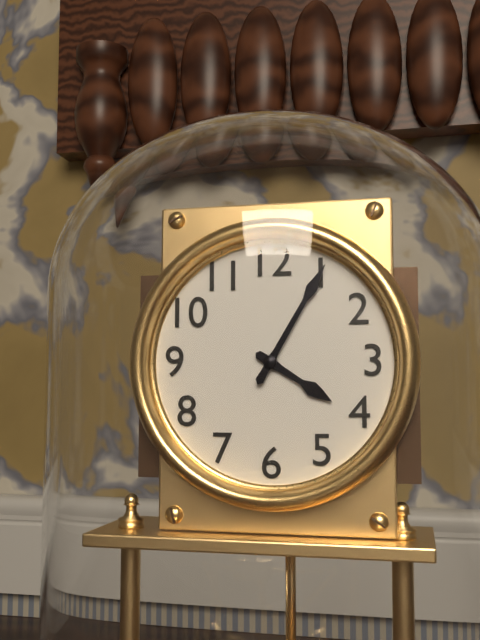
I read 4.05
